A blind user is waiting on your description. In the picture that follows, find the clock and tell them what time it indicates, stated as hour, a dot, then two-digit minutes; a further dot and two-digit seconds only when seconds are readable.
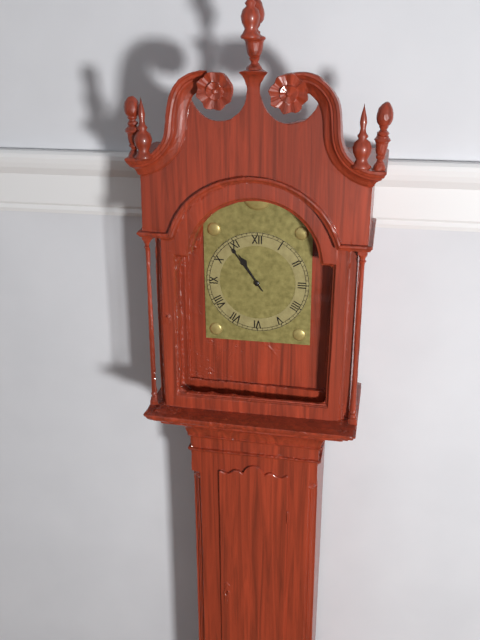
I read 10.54
